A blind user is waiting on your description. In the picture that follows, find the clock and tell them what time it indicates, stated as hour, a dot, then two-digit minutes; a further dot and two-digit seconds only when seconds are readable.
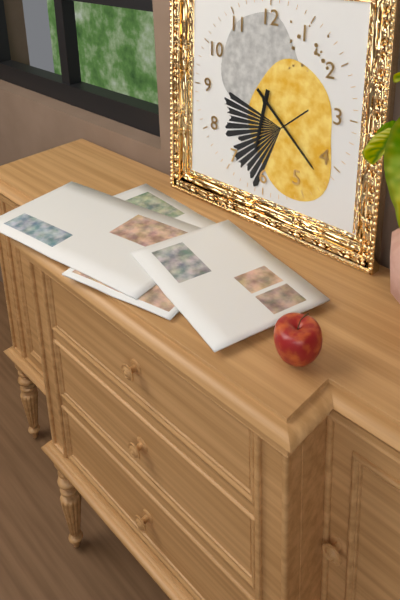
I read 6.22
